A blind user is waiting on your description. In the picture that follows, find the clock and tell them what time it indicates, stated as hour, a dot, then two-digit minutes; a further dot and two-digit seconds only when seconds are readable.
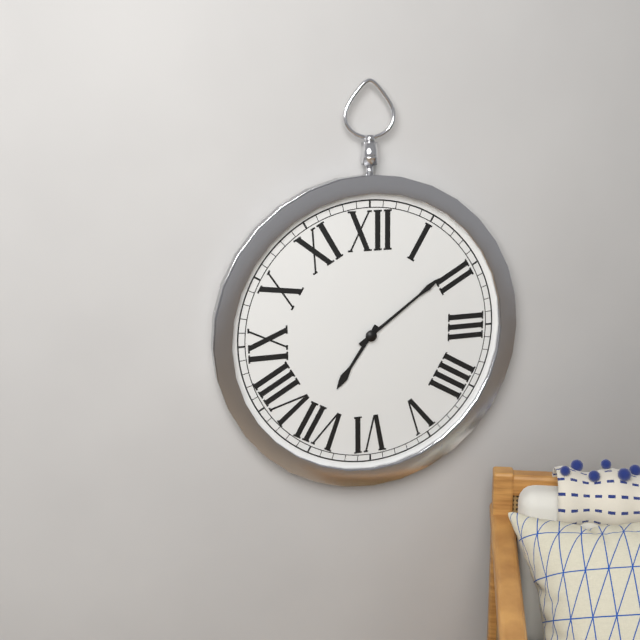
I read 7.09
